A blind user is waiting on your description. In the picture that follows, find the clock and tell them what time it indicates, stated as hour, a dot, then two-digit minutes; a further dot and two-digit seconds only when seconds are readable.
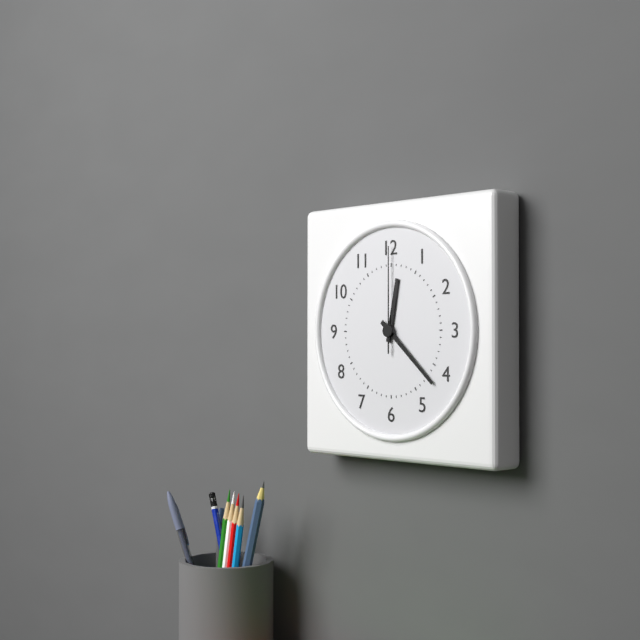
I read 12.22.00
